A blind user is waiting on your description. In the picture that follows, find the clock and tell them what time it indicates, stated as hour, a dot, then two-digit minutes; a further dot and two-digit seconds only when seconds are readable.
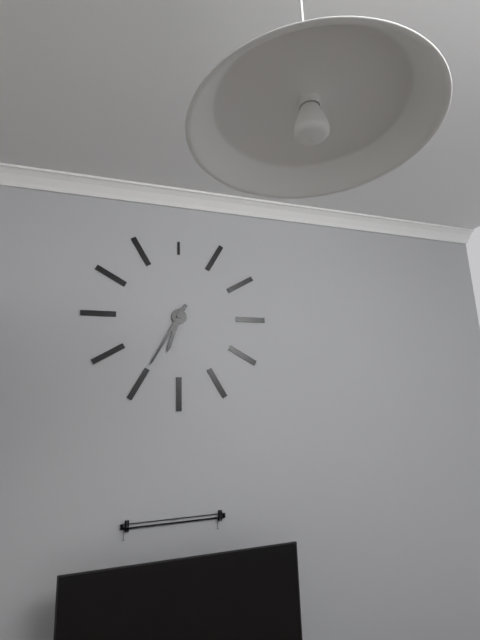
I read 6.35
